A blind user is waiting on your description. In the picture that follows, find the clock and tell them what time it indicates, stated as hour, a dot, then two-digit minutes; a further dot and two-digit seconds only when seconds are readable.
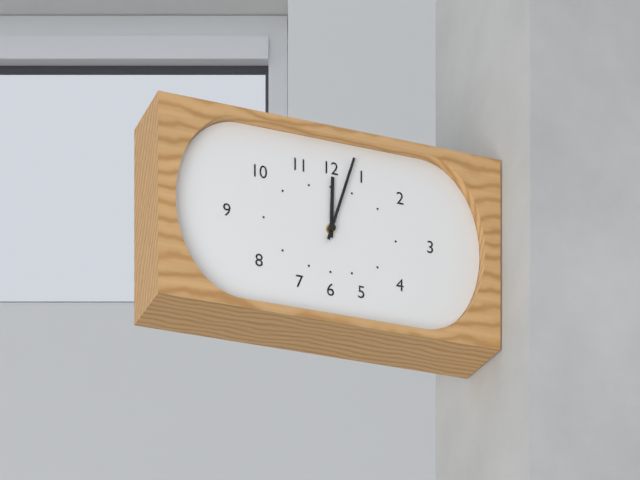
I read 12.03
